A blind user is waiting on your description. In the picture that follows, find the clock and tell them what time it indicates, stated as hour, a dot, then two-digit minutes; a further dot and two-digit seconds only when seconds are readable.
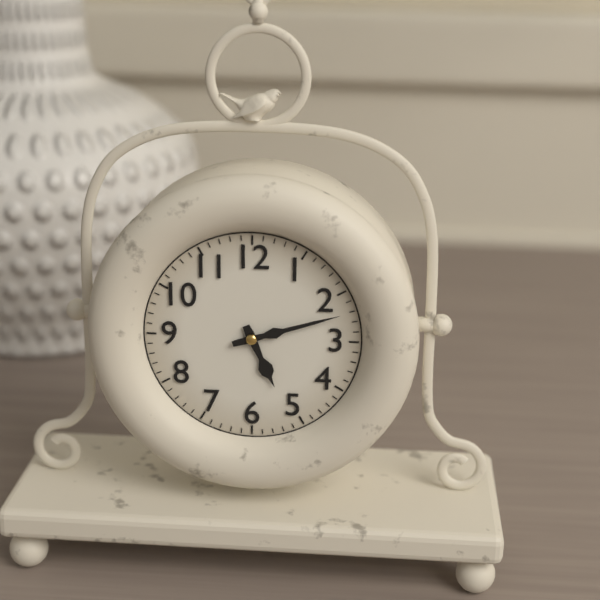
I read 5.12
